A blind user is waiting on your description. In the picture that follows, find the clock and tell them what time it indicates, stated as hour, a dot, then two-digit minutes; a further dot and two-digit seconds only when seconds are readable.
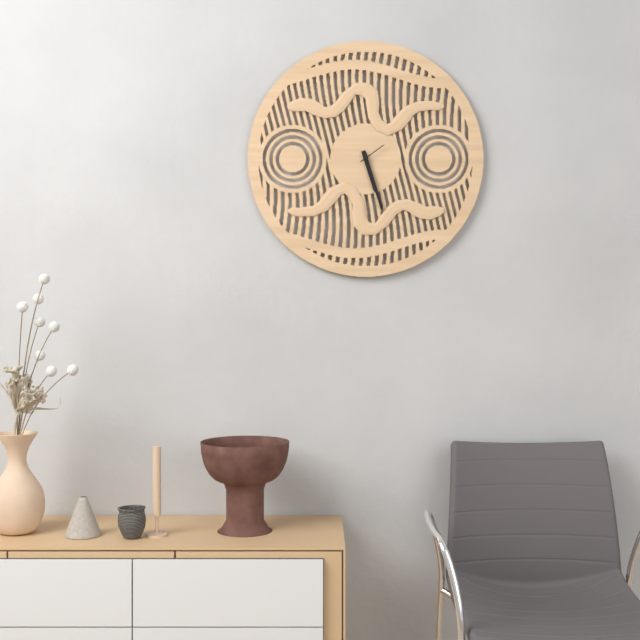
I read 5.27
